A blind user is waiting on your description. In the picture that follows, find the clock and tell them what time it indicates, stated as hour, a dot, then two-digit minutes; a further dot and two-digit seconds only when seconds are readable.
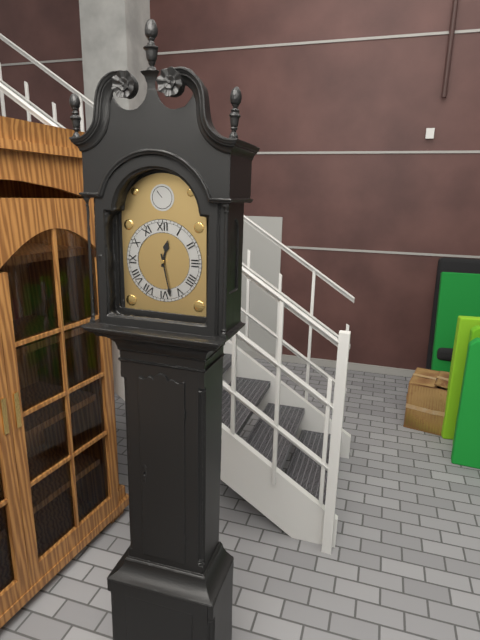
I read 12.28
